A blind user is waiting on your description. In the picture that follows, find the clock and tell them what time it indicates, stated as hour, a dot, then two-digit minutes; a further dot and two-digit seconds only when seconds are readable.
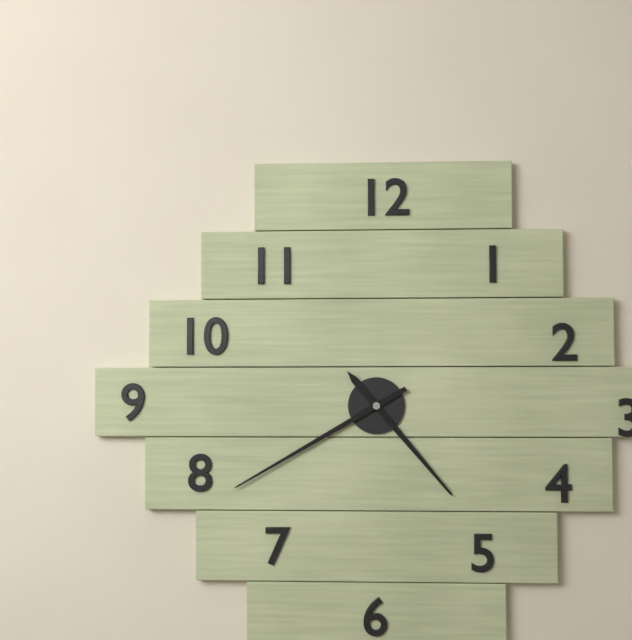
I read 4.40
